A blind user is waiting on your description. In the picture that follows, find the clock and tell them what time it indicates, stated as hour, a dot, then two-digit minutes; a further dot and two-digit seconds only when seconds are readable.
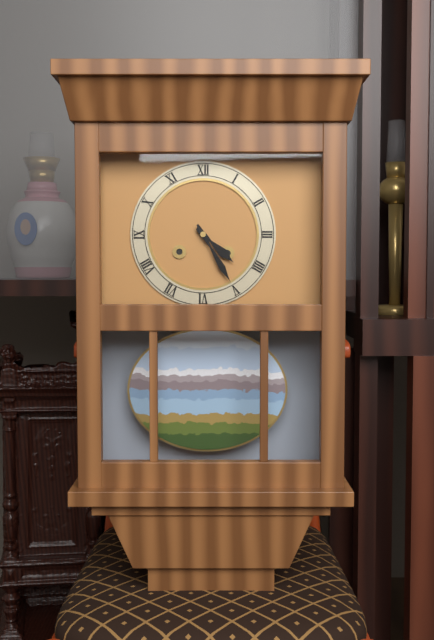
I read 4.25
